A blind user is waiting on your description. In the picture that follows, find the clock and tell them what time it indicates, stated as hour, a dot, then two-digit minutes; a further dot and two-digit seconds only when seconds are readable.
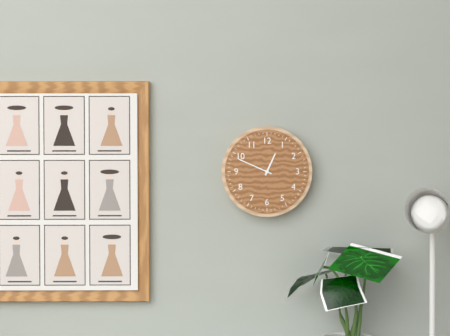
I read 12.49
